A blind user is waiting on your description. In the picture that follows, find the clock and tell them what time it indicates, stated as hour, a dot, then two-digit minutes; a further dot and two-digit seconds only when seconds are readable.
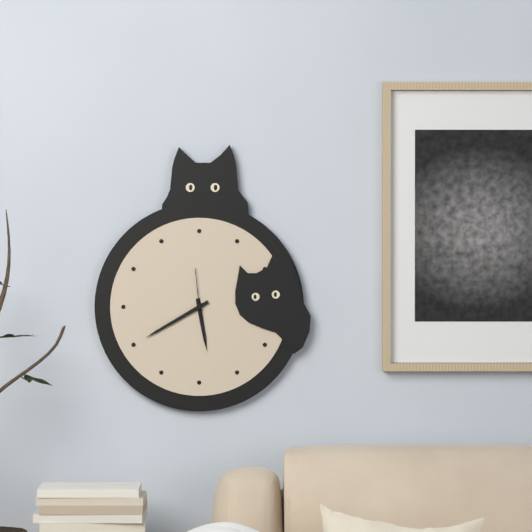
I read 5.40
